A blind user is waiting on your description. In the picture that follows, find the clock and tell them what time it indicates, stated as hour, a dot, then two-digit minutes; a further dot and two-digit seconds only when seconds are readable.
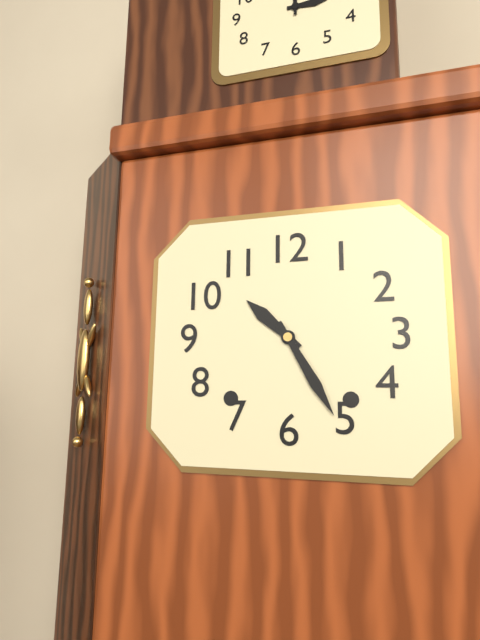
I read 10.25
